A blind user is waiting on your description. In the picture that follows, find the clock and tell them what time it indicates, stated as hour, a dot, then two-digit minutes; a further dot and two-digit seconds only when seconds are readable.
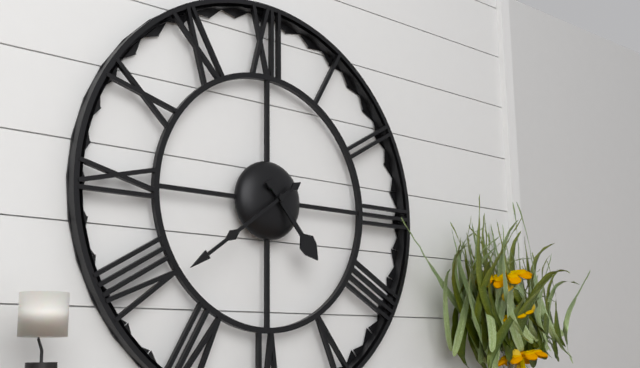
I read 4.39
